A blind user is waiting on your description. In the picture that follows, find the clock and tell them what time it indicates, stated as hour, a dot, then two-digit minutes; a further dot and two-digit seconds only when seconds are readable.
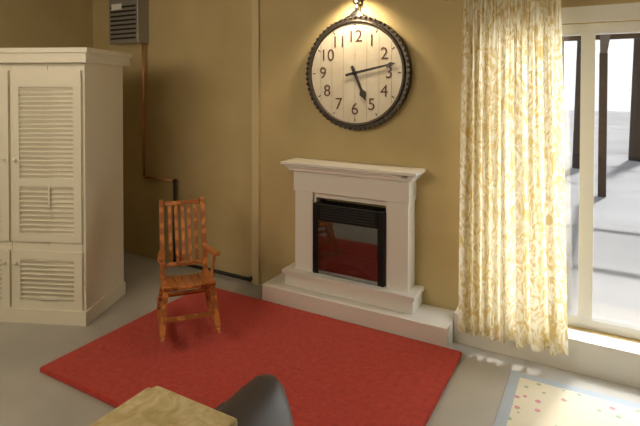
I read 5.13
